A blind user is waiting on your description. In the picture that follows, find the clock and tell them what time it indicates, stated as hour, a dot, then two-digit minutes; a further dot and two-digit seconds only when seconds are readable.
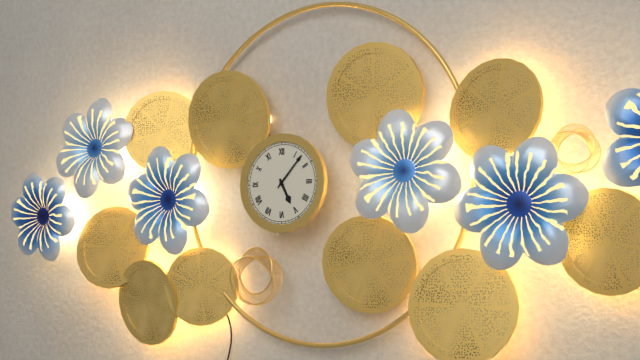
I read 5.07
